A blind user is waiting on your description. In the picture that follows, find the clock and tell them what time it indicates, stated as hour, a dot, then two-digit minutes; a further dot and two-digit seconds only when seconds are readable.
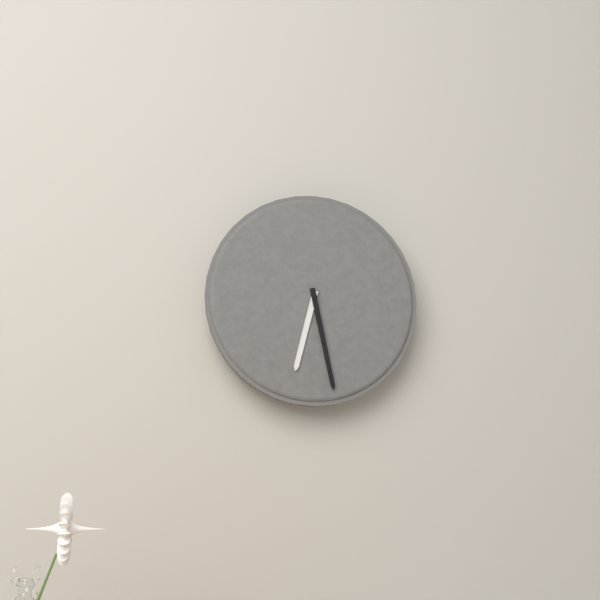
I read 6.28
